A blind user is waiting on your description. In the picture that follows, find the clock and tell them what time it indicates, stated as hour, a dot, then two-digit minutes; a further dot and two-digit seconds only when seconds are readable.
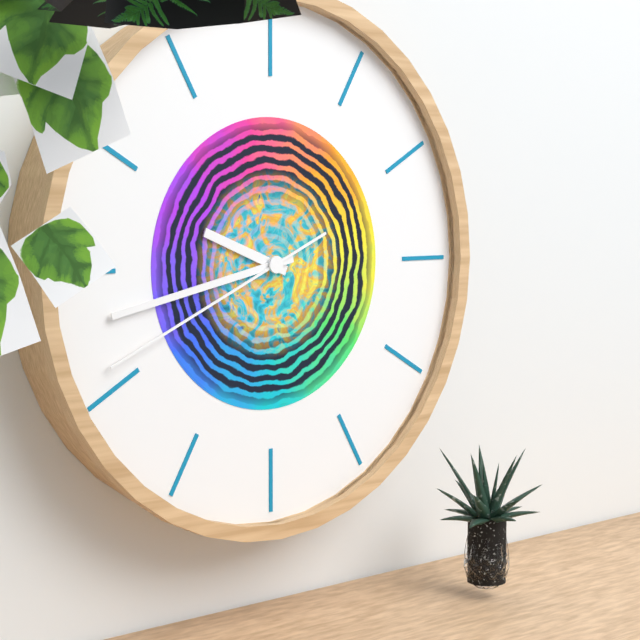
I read 9.43.41
